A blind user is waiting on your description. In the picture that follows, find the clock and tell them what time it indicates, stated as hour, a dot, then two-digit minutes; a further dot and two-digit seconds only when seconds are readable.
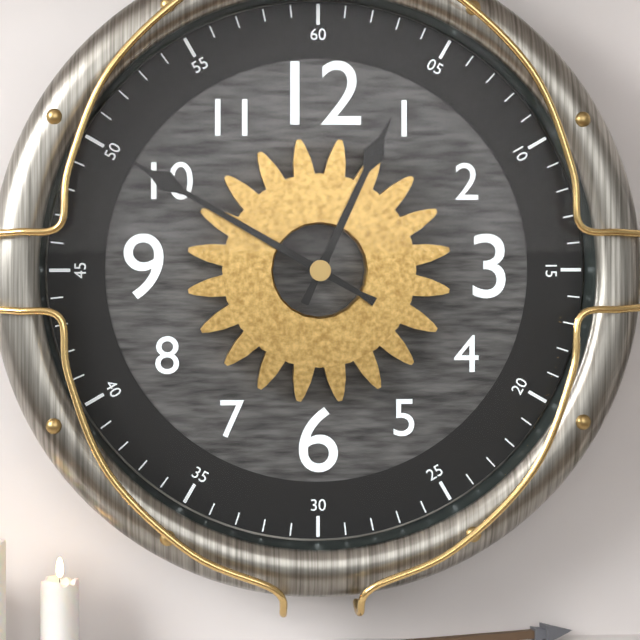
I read 12.50
